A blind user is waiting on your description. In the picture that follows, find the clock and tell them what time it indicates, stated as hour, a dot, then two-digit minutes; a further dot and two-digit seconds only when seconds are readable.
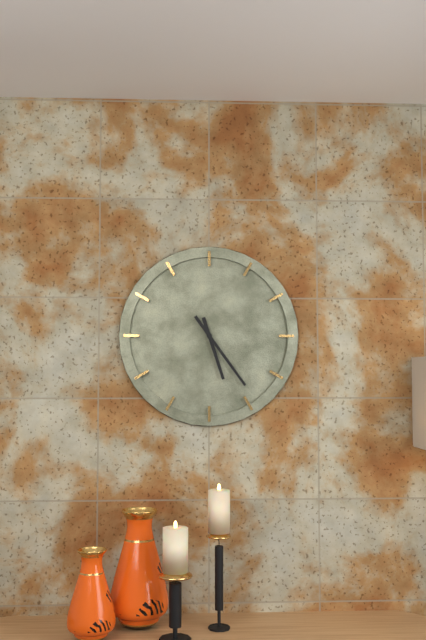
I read 5.24
